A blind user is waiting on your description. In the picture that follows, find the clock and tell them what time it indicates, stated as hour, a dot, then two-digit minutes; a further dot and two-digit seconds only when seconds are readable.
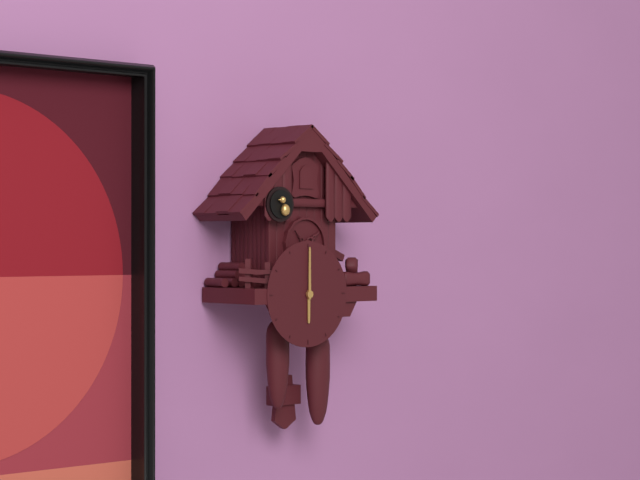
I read 6.00
